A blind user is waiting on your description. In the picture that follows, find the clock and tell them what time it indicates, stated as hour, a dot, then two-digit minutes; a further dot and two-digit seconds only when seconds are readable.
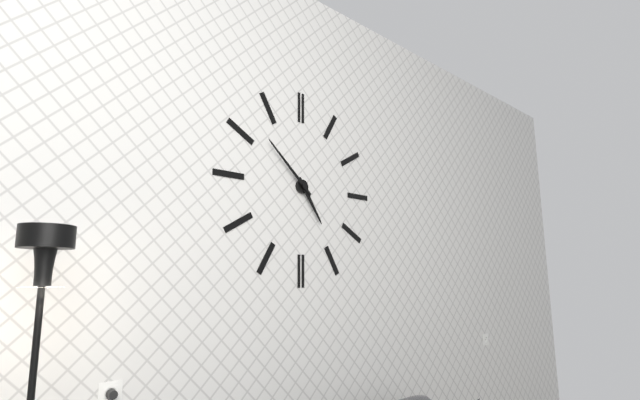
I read 4.52
